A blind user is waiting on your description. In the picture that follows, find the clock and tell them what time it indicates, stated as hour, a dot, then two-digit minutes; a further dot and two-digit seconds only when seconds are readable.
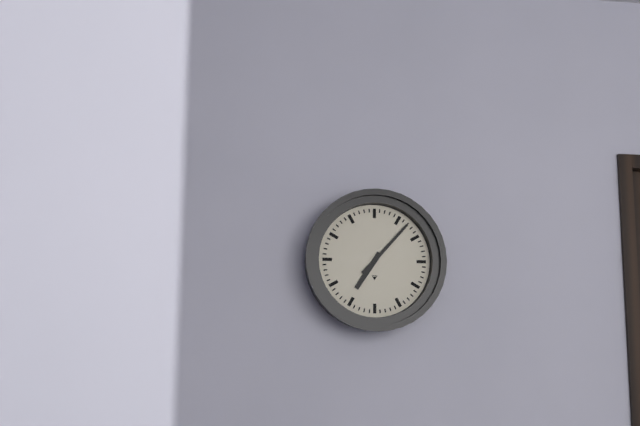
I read 7.07
